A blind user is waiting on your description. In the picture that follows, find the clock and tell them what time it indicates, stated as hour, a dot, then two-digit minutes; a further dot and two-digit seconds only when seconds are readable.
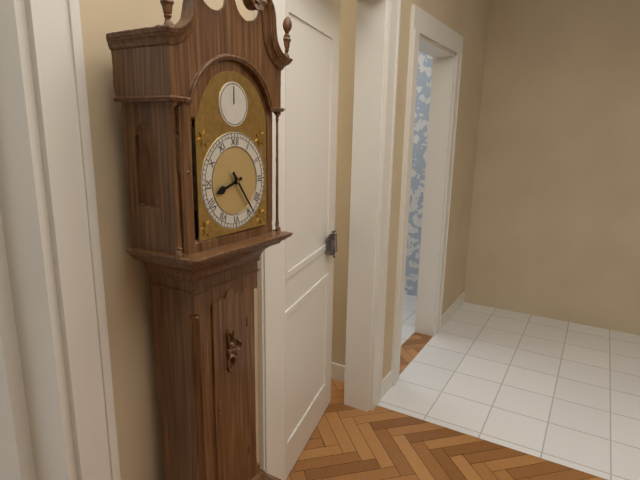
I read 8.24
